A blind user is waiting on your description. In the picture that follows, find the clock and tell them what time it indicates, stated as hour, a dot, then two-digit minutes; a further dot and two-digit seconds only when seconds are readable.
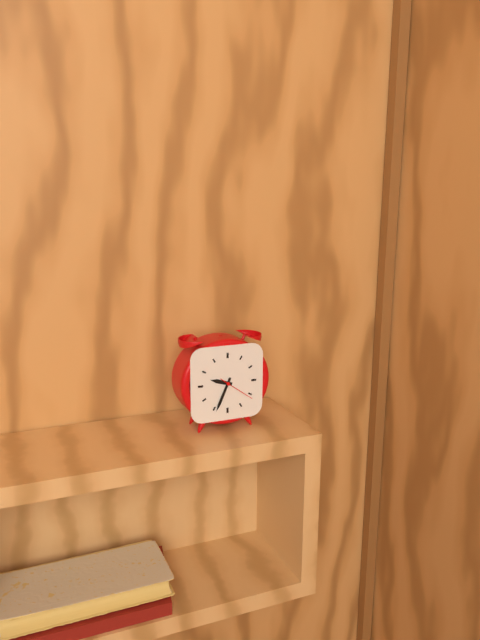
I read 9.34
